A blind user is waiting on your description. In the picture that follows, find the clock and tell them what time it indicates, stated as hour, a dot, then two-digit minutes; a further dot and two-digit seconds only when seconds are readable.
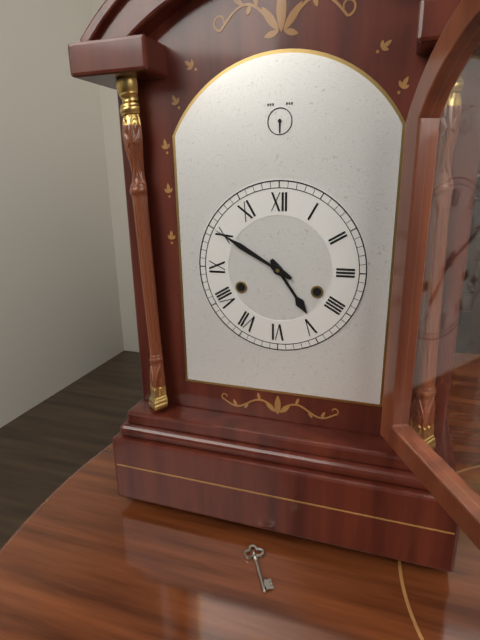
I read 4.50
